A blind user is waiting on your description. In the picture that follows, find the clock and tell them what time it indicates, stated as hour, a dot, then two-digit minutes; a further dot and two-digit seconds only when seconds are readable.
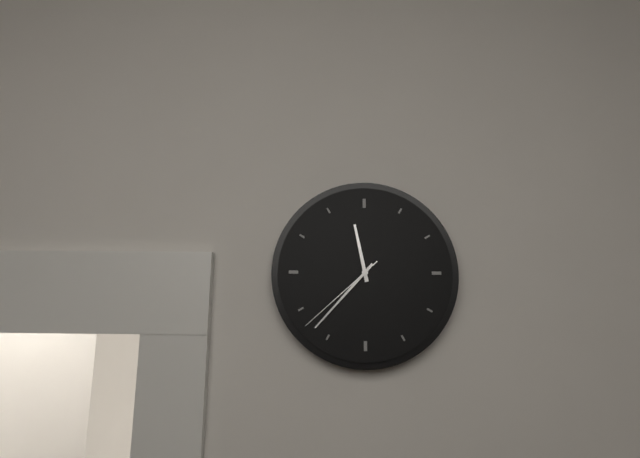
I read 11.37.38
